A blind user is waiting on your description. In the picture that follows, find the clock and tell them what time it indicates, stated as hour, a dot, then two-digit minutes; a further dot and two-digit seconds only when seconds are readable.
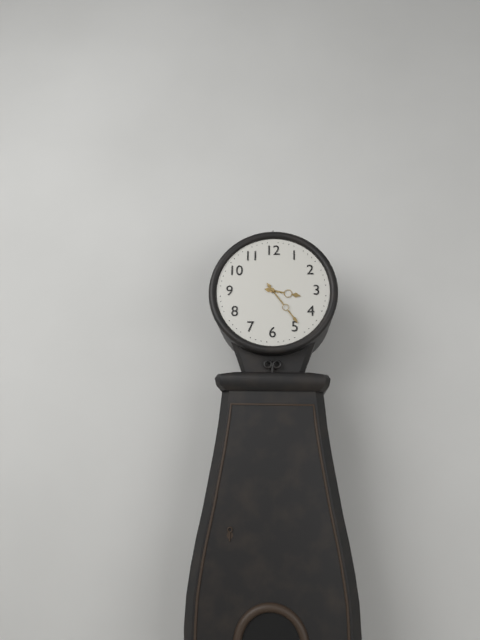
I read 3.24
